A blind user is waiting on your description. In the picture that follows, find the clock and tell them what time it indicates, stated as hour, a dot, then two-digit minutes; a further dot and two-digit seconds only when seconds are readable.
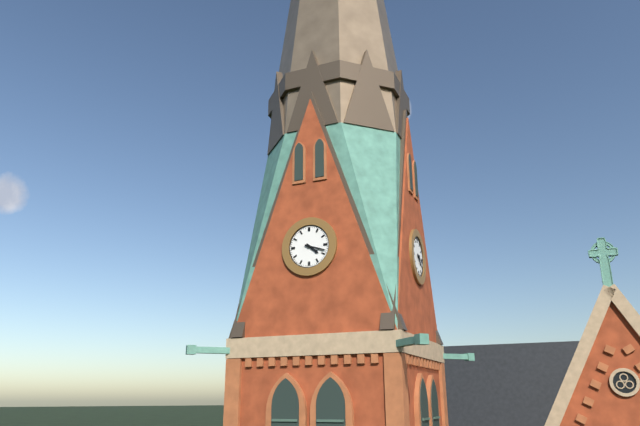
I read 4.18
